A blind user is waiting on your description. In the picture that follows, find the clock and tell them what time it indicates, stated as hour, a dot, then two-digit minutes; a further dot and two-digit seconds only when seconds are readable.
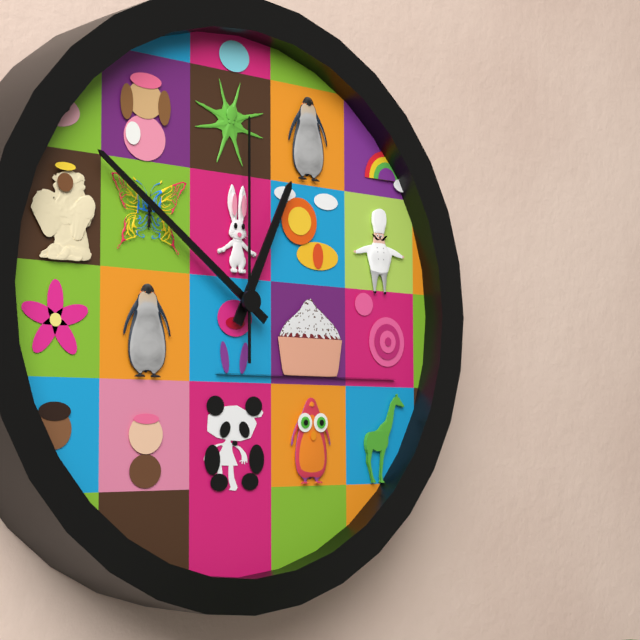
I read 12.51.00
